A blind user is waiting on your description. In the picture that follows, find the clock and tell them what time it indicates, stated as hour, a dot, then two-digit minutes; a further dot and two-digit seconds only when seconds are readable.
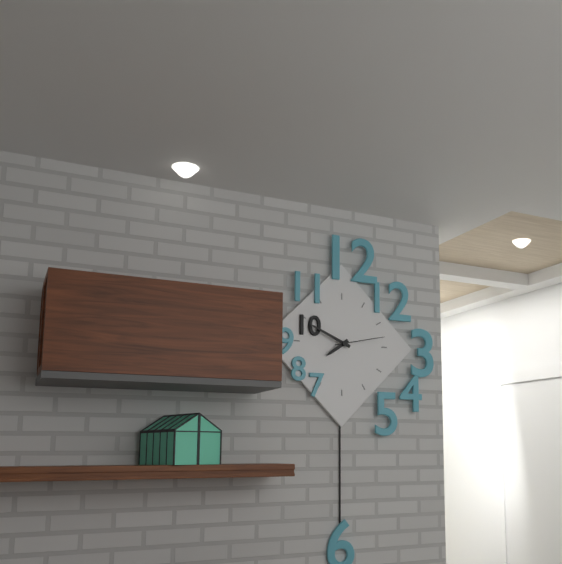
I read 7.49.13
